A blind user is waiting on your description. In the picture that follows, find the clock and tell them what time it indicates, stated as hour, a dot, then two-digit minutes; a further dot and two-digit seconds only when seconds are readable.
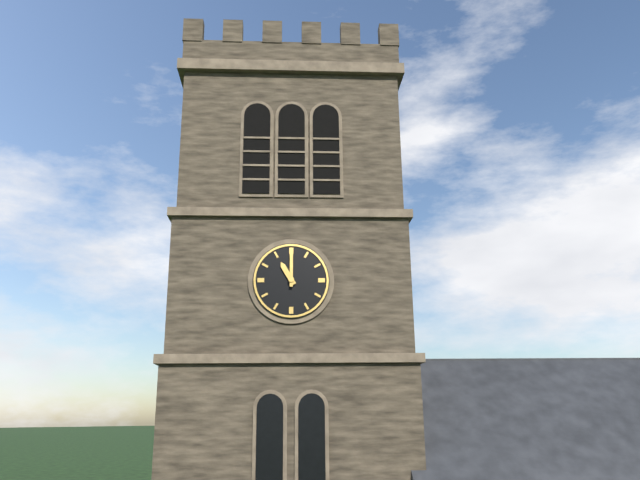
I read 11.00
